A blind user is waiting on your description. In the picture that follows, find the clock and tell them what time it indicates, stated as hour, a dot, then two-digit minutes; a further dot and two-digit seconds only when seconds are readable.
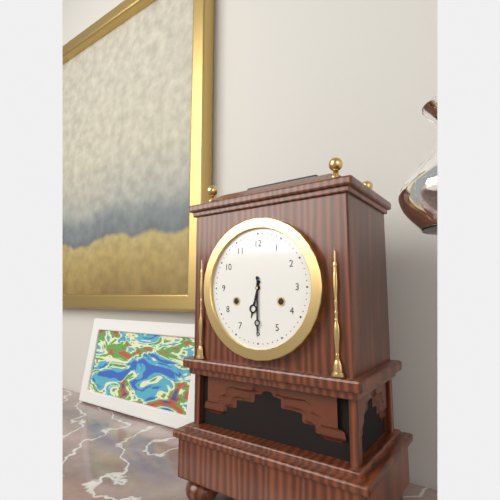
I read 6.30
